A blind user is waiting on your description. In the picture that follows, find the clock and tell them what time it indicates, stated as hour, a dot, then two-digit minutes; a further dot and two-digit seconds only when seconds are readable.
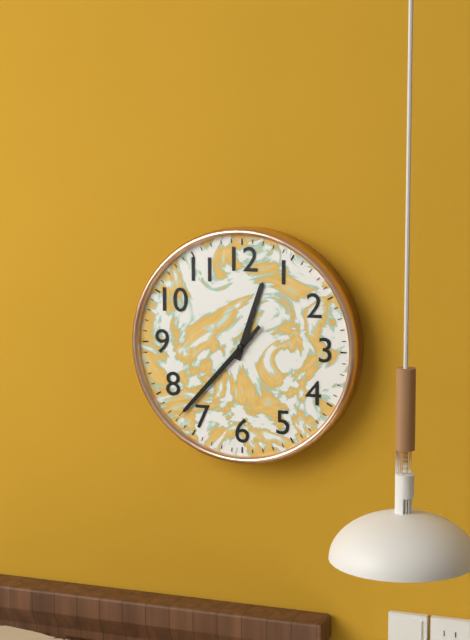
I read 12.37.37
